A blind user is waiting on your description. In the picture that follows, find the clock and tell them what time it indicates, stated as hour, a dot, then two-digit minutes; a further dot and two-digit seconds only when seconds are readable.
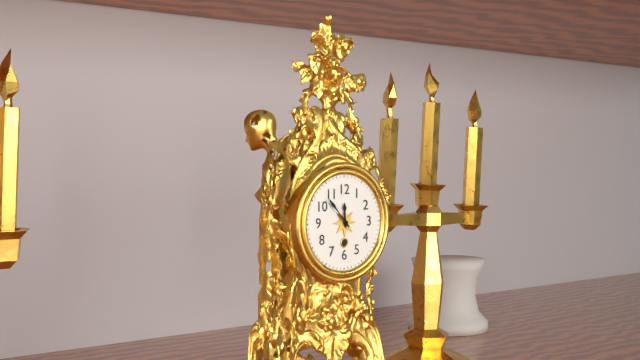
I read 11.53
